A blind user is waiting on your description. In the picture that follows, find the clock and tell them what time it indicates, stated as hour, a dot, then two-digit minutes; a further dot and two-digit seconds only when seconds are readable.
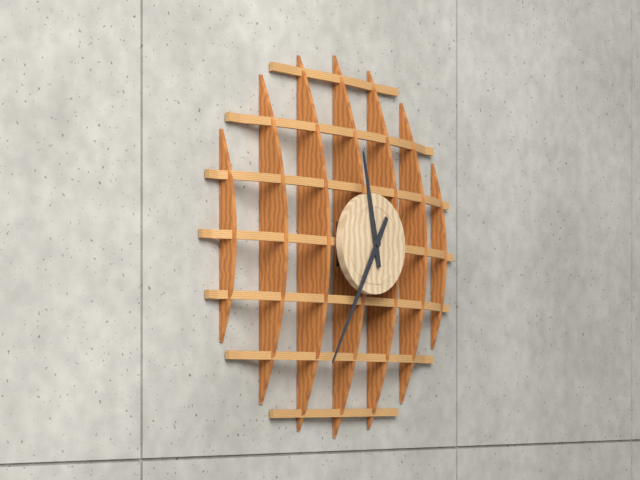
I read 11.35
